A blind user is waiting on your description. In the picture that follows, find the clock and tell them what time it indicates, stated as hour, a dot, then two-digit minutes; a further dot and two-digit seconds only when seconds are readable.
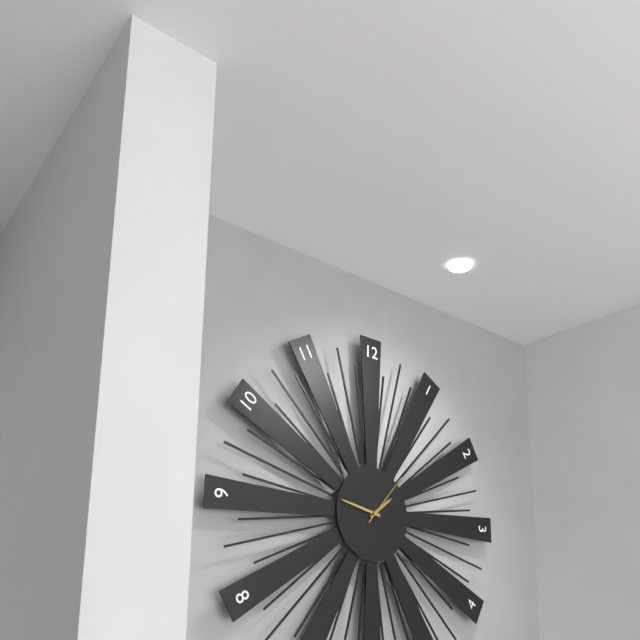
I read 1.47.07
